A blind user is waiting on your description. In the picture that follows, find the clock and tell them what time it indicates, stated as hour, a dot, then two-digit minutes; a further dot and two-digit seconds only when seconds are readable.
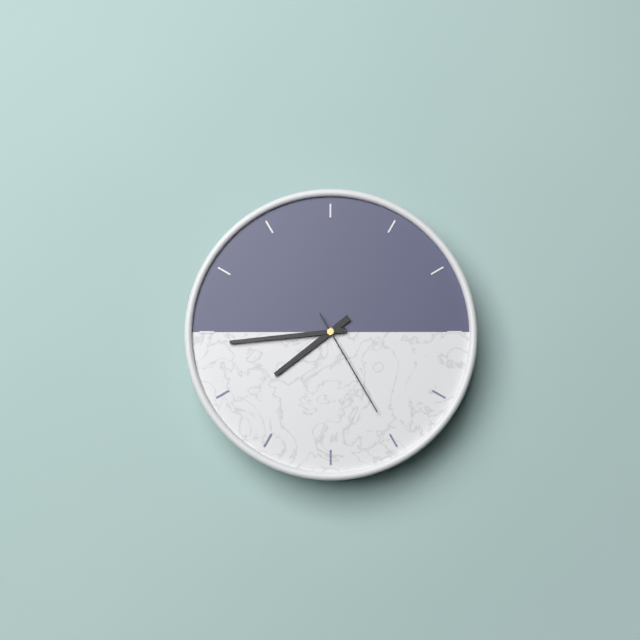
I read 7.44.25
